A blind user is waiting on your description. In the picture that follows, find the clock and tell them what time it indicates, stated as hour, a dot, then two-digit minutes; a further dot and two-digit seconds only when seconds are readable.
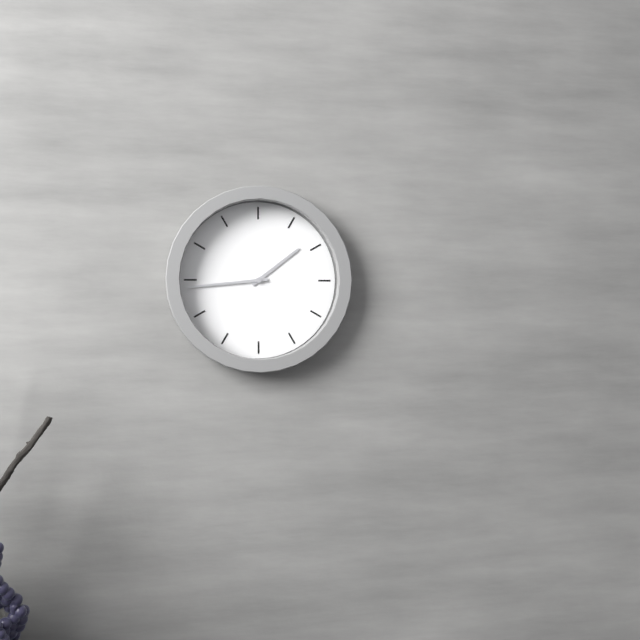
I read 1.44
